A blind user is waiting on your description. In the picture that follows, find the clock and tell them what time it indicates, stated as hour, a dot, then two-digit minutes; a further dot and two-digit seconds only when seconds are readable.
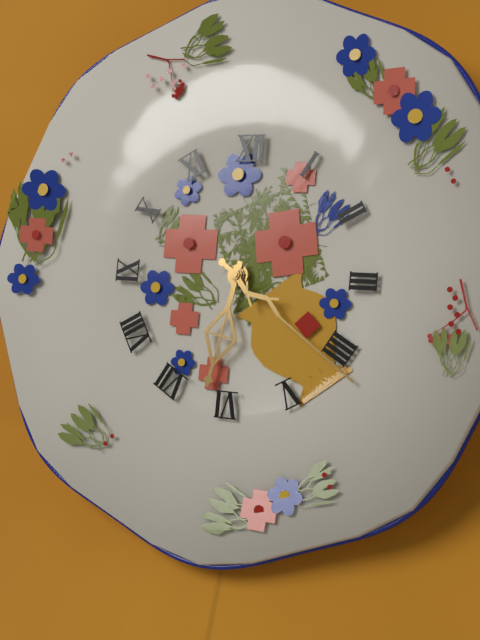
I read 6.21
